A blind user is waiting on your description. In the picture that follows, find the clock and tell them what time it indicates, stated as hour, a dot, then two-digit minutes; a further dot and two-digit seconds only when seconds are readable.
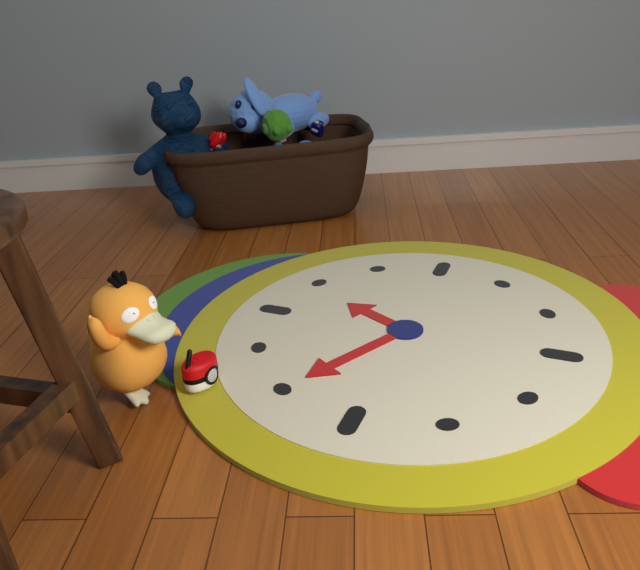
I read 12.50
